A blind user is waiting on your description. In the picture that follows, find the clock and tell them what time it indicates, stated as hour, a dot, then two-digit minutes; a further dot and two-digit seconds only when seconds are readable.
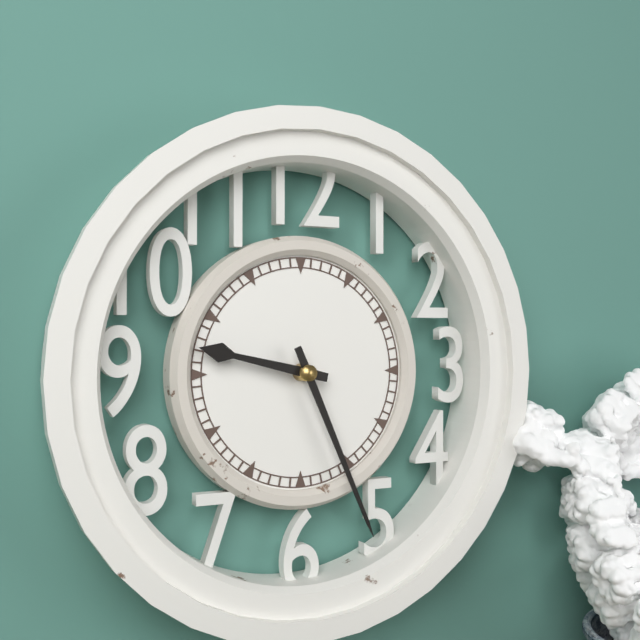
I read 9.26
